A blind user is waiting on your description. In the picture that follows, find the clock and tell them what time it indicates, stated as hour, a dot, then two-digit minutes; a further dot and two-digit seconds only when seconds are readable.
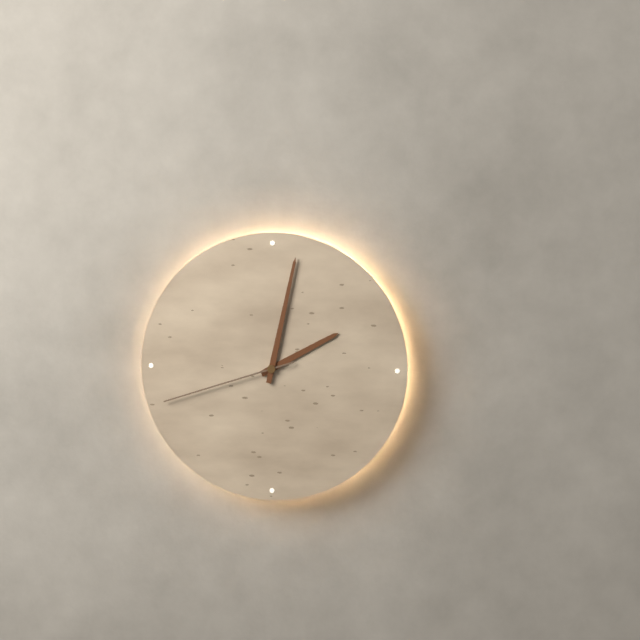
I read 2.02.42
